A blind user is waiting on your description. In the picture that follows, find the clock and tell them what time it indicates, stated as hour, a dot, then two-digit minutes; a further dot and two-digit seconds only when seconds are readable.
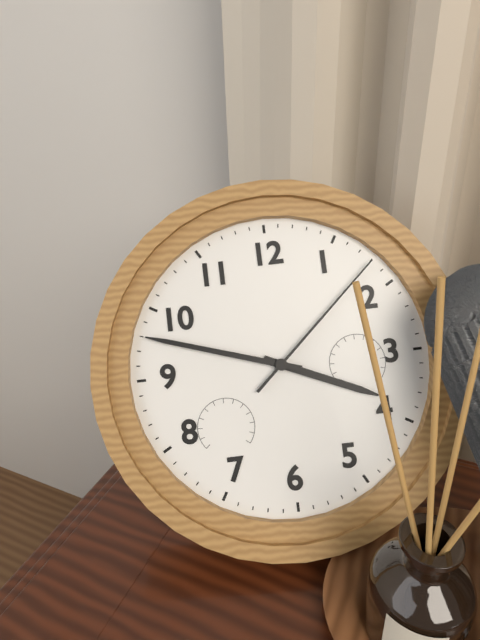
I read 3.48.08
